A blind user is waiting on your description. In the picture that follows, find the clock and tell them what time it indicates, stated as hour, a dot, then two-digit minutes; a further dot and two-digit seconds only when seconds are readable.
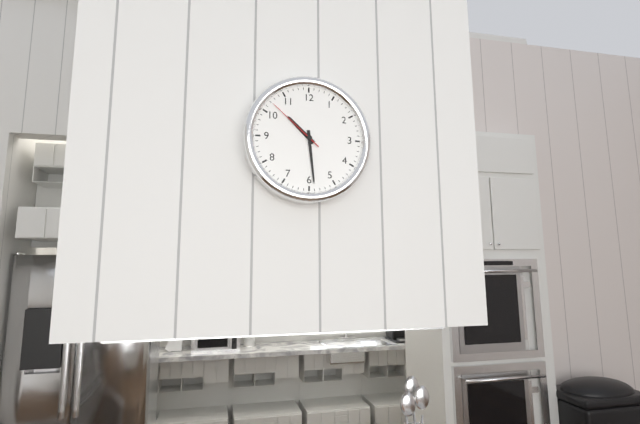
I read 10.29.52
